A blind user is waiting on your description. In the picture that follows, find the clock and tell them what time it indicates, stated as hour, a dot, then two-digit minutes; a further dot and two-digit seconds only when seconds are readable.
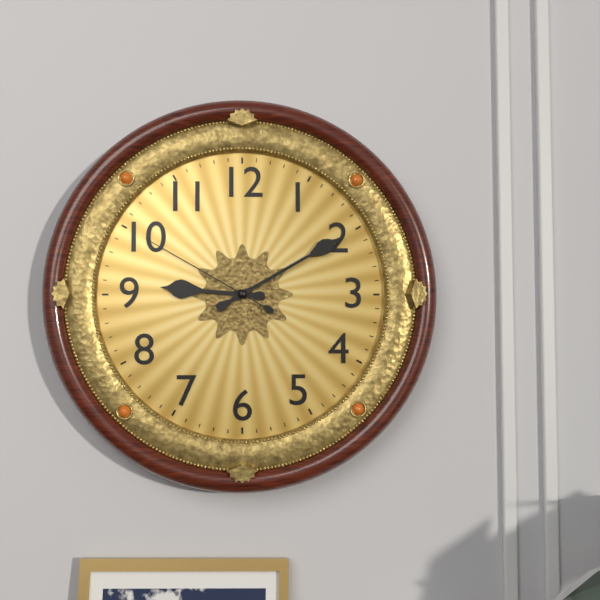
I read 9.10.50
